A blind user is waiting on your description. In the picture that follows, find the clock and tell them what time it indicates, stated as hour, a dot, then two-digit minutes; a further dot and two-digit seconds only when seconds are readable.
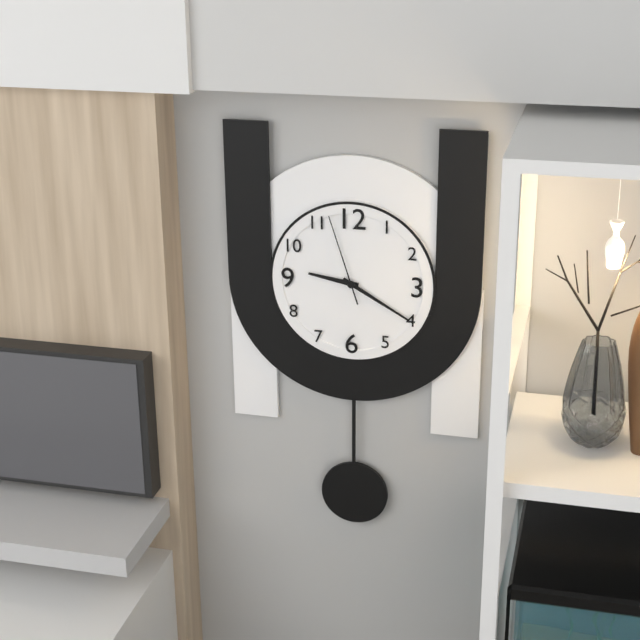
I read 9.20.57
